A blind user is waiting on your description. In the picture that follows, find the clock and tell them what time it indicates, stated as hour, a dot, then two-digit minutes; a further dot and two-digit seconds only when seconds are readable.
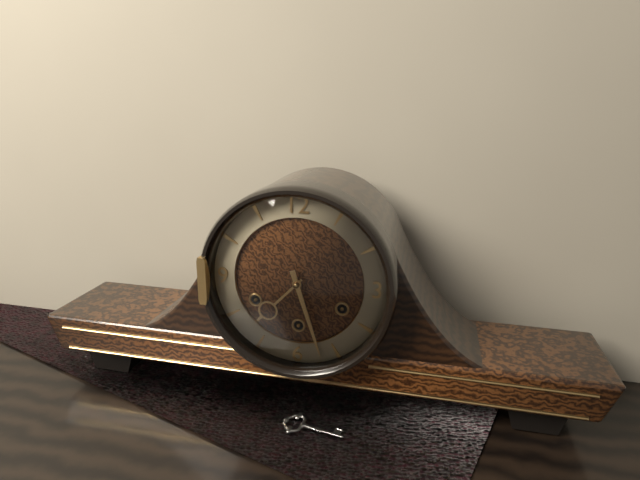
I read 7.27
